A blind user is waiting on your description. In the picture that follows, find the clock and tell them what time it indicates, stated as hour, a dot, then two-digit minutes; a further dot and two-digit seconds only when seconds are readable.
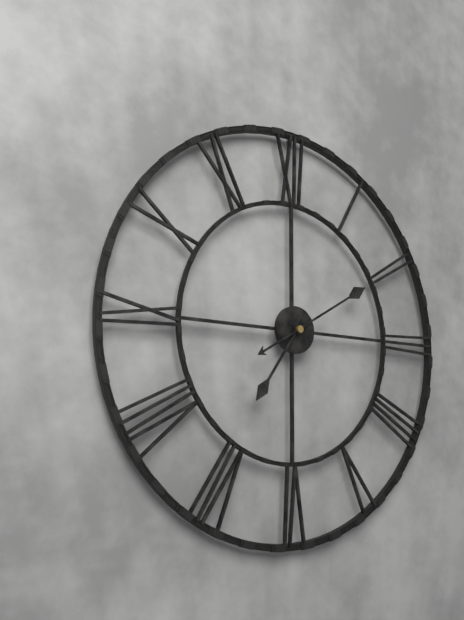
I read 7.10
